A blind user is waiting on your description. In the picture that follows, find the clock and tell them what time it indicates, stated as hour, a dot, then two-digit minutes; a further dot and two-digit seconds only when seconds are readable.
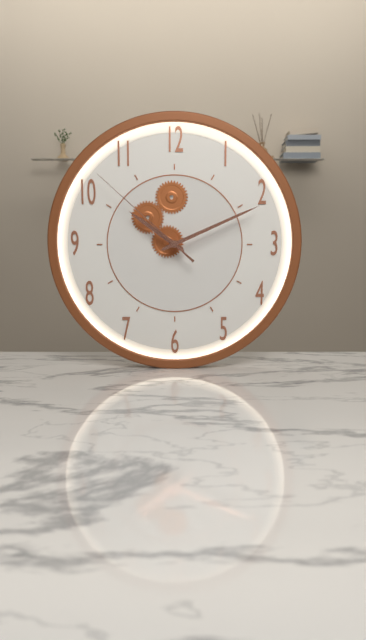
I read 10.11.52
